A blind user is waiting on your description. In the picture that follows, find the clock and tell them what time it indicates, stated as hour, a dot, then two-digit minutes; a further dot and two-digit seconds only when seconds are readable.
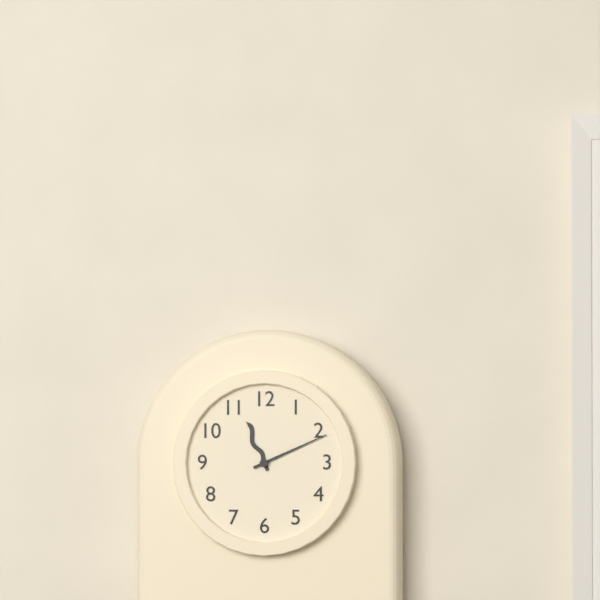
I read 11.11
